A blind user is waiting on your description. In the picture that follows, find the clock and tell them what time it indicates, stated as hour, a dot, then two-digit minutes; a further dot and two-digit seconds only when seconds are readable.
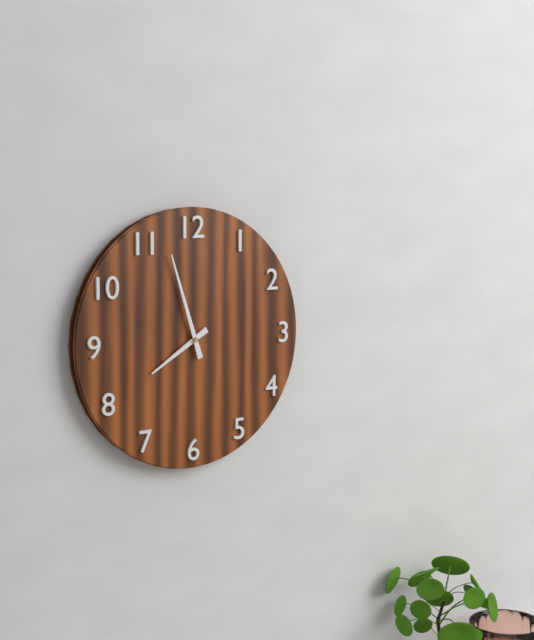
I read 7.57
